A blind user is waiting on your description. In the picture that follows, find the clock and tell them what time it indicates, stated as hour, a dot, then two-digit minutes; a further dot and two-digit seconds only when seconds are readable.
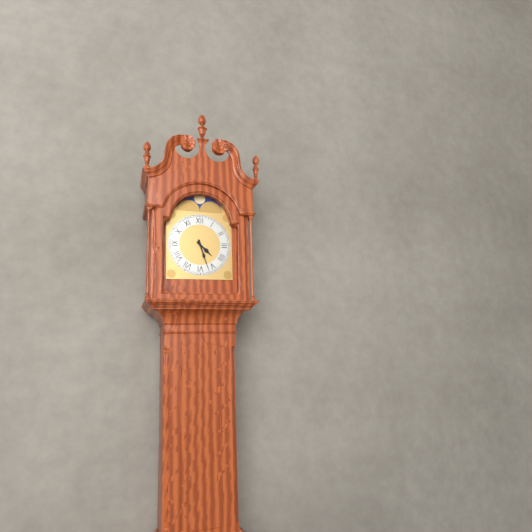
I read 4.27
